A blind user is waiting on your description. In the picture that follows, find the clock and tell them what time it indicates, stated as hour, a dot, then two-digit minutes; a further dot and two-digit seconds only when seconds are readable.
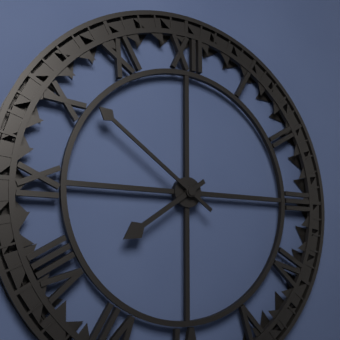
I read 7.51
